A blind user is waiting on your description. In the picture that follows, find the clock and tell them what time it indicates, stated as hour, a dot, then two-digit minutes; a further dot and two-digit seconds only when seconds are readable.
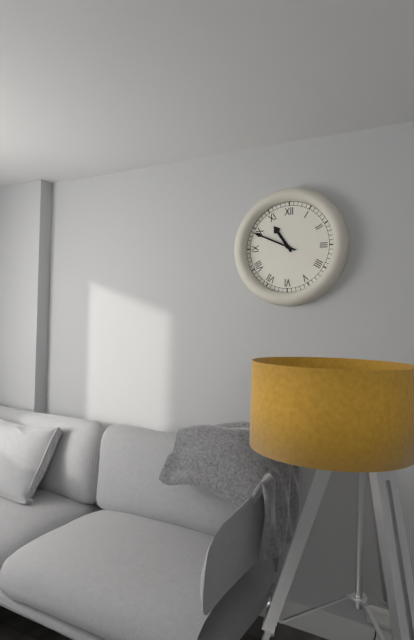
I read 10.49
